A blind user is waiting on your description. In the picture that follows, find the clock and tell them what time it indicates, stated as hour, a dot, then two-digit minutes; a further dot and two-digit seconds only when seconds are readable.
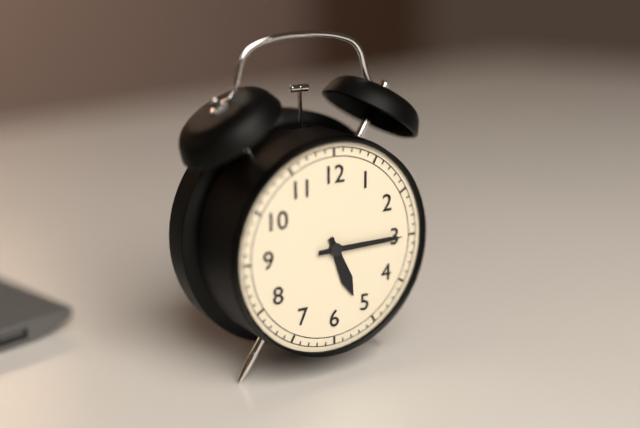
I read 5.15
